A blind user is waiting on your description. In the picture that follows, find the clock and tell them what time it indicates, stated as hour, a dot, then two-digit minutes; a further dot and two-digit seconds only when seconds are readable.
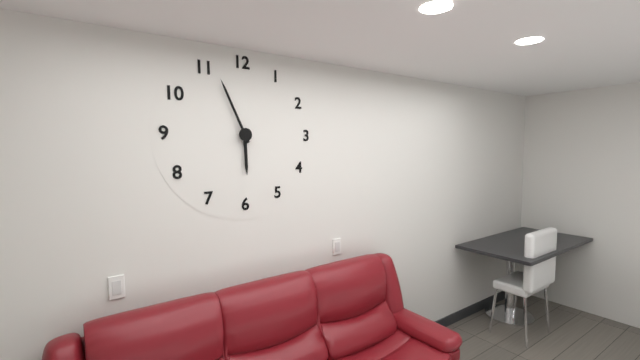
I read 5.56
